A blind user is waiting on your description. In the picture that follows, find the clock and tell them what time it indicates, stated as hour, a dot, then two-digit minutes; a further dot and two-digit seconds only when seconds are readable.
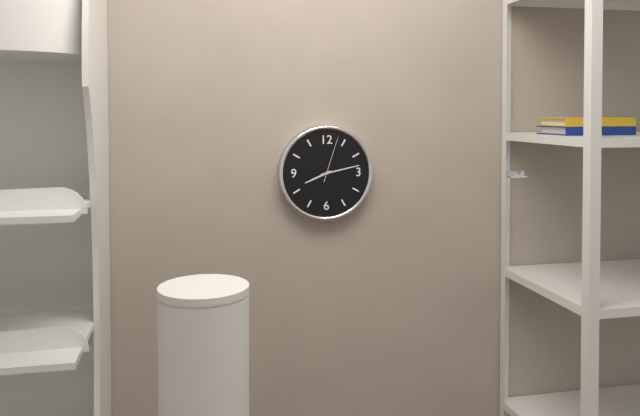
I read 8.13
